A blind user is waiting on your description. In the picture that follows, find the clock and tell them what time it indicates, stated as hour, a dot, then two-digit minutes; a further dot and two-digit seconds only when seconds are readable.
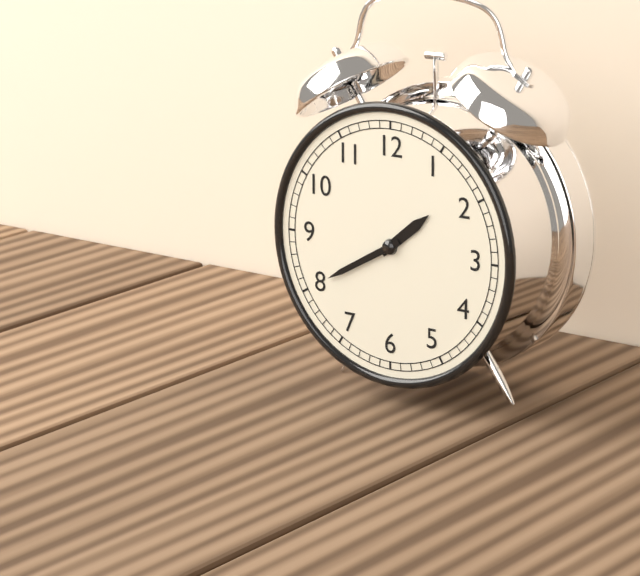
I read 1.40
